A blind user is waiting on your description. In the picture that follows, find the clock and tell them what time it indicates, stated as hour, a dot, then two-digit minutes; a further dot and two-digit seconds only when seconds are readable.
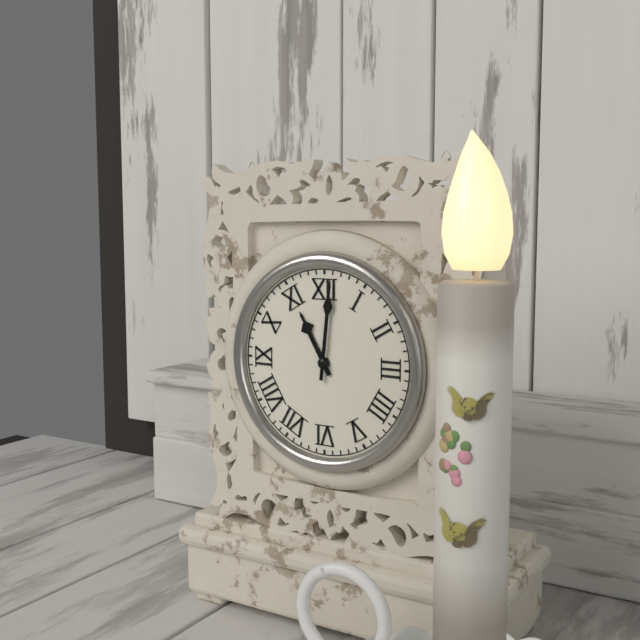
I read 11.01
